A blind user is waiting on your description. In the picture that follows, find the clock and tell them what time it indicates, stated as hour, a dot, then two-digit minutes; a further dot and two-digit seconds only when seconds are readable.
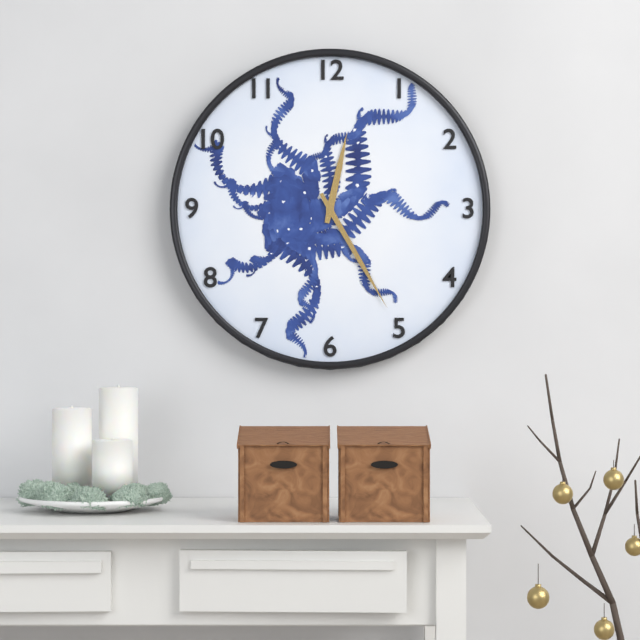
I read 12.25
